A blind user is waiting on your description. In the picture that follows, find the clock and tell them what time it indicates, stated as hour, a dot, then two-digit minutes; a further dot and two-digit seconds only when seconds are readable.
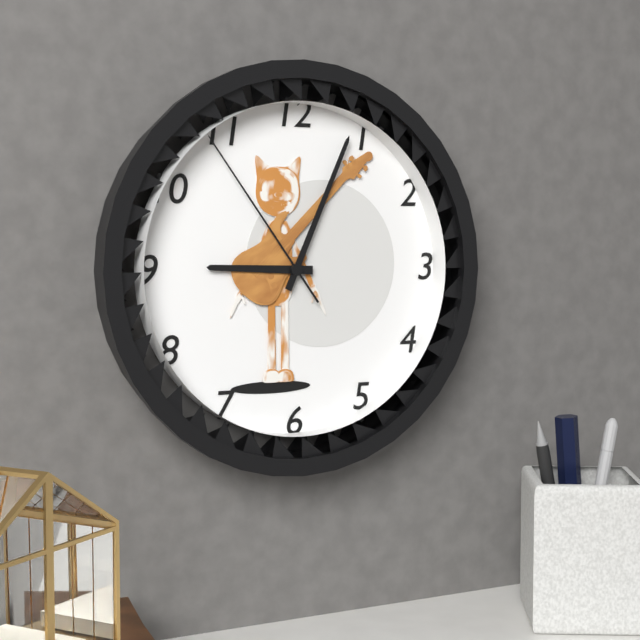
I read 9.04.54
